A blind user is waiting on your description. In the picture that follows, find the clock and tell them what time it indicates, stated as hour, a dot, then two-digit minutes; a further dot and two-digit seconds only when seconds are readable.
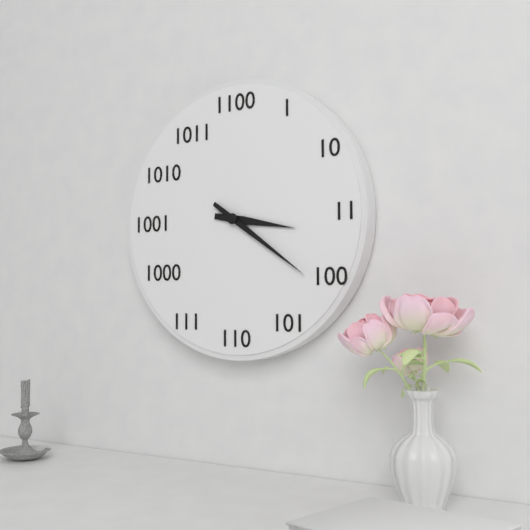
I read 3.21
